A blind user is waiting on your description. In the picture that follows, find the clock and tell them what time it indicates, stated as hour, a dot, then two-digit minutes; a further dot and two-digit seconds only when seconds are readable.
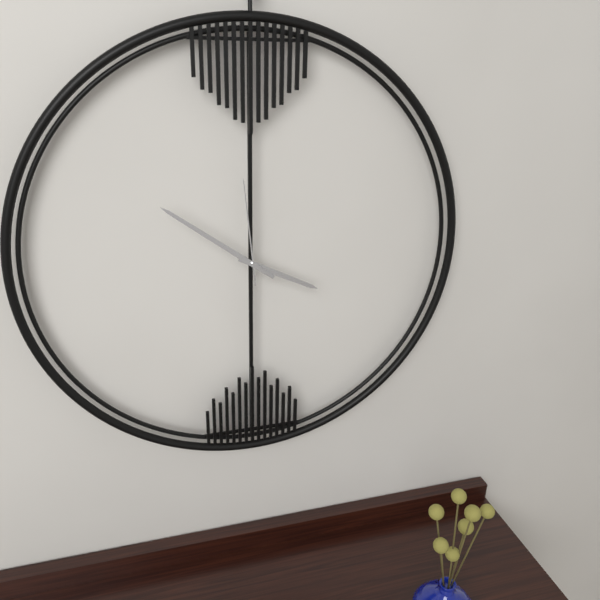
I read 3.51.59
